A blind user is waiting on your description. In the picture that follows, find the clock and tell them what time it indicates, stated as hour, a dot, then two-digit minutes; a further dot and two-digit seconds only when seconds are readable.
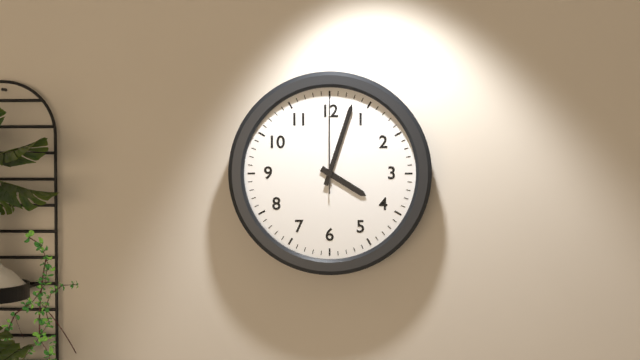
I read 4.03.00
